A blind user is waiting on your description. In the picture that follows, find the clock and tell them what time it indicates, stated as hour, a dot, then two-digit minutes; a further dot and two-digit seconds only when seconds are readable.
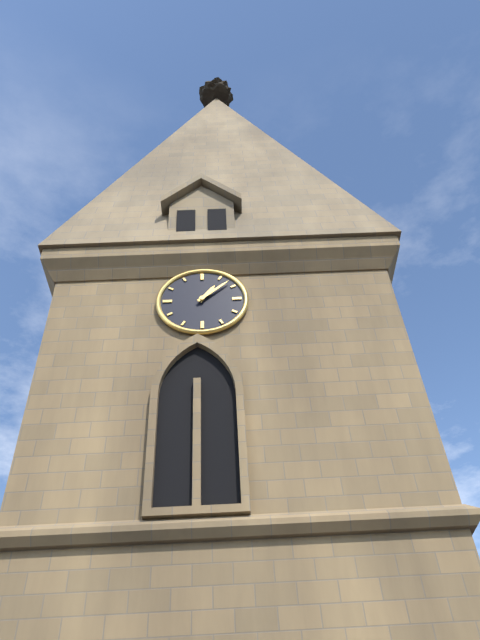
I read 1.08
